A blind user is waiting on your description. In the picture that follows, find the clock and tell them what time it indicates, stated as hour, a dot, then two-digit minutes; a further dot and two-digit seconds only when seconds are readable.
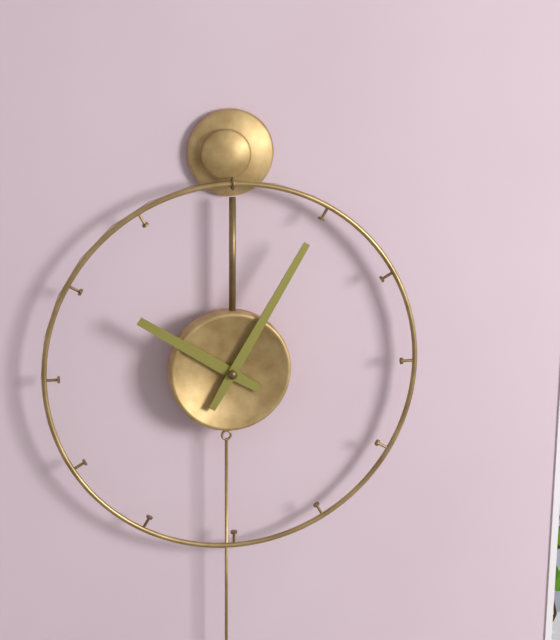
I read 10.05
